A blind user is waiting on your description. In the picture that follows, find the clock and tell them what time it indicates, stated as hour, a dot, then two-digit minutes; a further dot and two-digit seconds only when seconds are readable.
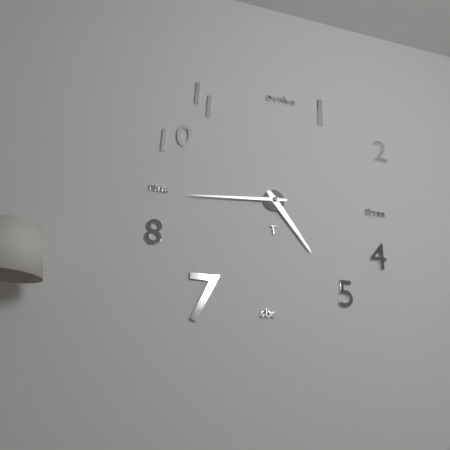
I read 4.44
